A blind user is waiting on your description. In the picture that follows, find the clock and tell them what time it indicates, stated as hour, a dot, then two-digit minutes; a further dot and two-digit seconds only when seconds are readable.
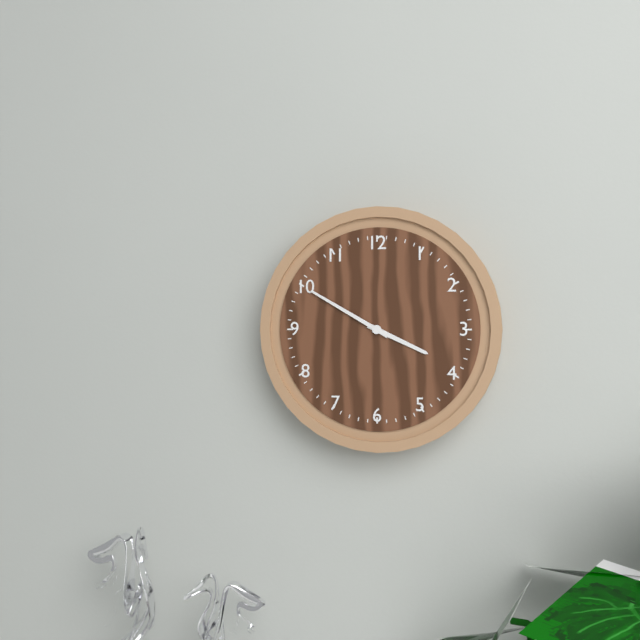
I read 3.50
